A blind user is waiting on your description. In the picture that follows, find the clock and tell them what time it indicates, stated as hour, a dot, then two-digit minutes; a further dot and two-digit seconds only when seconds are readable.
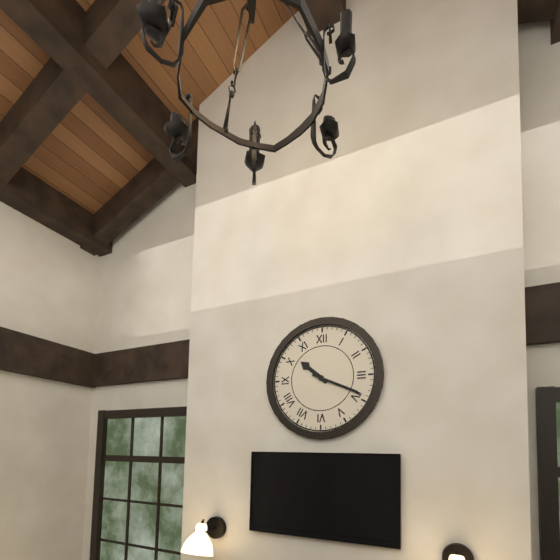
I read 10.19
